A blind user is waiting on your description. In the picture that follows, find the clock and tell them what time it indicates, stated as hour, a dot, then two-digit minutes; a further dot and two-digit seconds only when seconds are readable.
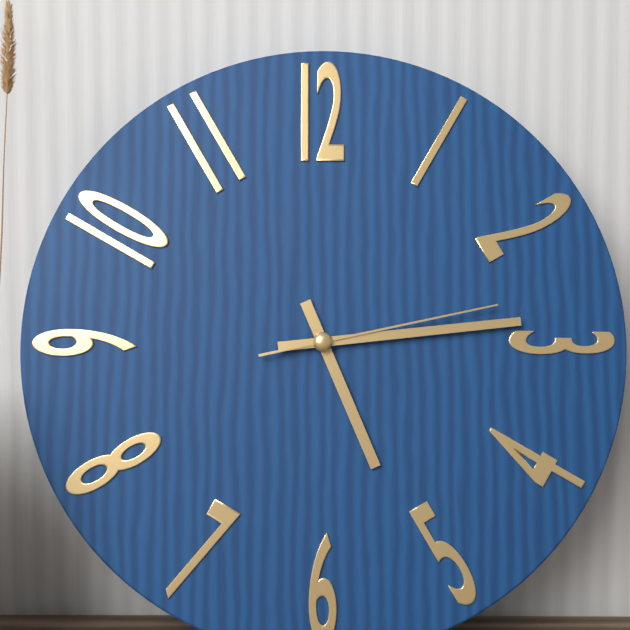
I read 5.14.13
